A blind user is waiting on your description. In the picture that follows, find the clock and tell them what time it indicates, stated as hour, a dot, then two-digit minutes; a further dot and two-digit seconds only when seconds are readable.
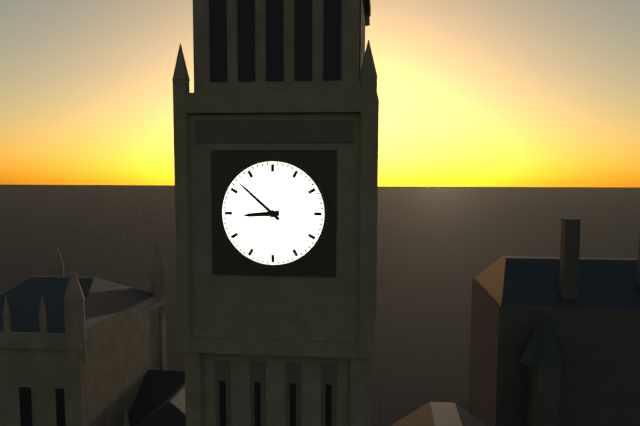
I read 8.52
